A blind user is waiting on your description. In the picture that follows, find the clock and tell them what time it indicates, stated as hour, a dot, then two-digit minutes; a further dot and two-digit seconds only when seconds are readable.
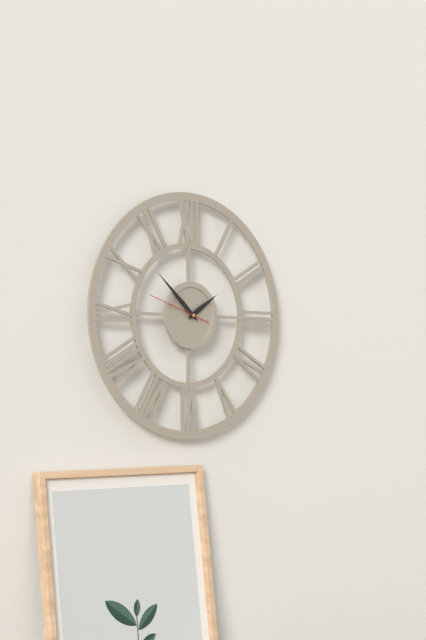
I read 1.52.48
